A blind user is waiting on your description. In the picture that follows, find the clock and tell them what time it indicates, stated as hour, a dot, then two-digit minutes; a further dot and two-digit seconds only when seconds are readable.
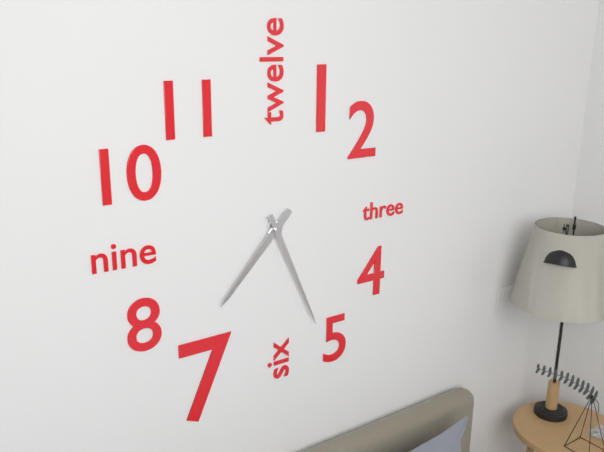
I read 7.26
